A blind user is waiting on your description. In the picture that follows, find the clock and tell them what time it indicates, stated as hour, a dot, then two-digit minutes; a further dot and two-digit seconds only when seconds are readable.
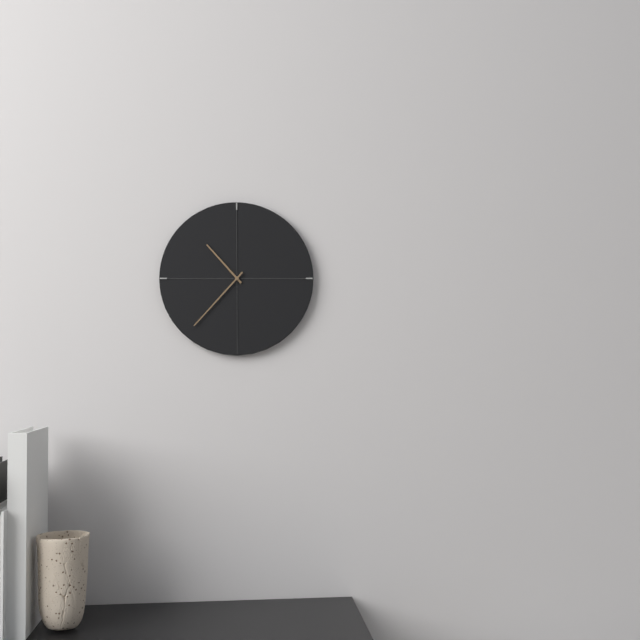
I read 10.37
